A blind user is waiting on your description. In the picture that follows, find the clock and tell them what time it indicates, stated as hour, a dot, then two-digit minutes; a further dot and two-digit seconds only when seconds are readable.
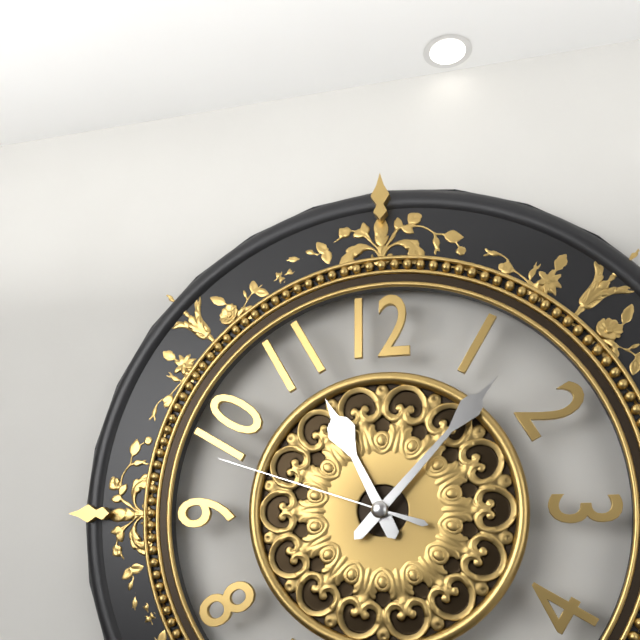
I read 11.07.48
